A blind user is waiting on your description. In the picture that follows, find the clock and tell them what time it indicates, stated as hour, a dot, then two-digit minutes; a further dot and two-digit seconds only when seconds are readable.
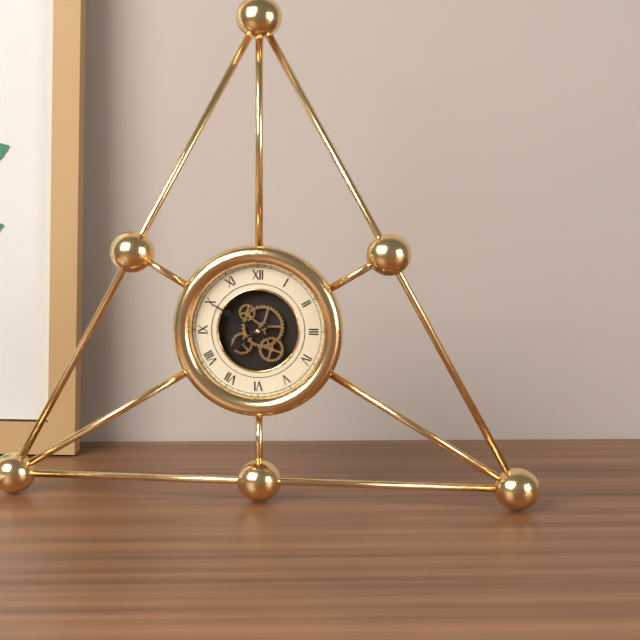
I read 7.50
